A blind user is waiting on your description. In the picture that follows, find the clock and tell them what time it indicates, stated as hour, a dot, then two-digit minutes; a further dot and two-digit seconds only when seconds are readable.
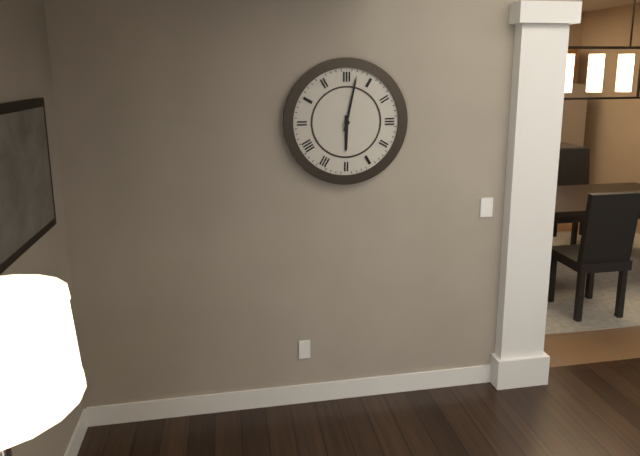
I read 6.02
